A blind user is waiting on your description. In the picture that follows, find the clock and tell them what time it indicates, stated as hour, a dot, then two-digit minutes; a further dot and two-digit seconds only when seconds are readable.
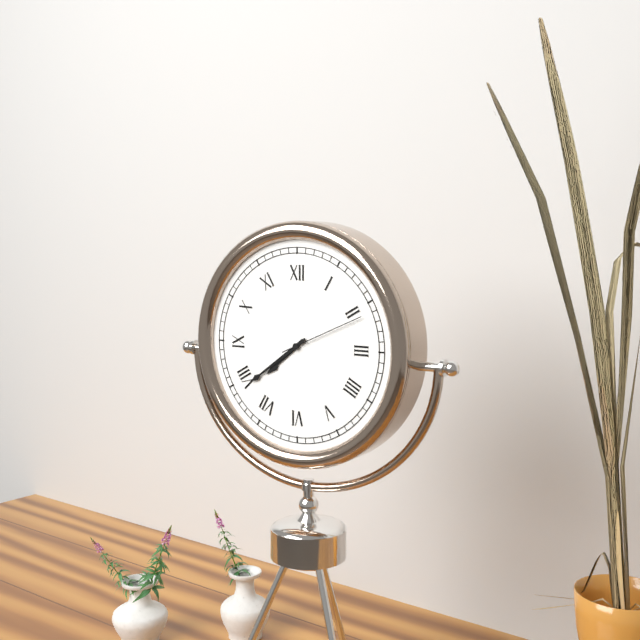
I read 7.39.11
